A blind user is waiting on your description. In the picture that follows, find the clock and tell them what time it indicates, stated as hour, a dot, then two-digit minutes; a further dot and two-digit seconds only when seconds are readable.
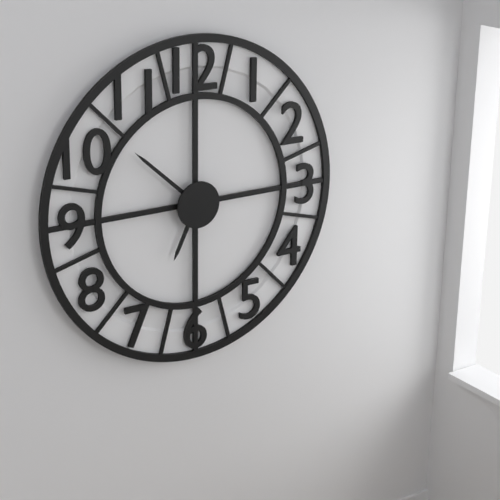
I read 6.52
